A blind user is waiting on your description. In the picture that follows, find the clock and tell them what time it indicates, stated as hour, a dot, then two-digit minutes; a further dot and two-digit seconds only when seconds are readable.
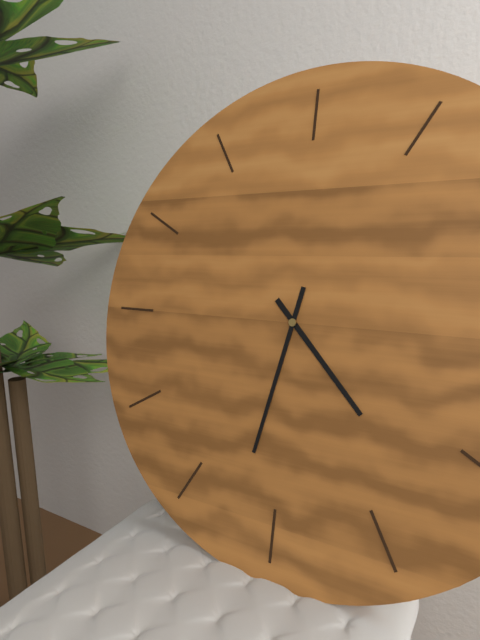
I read 4.32
